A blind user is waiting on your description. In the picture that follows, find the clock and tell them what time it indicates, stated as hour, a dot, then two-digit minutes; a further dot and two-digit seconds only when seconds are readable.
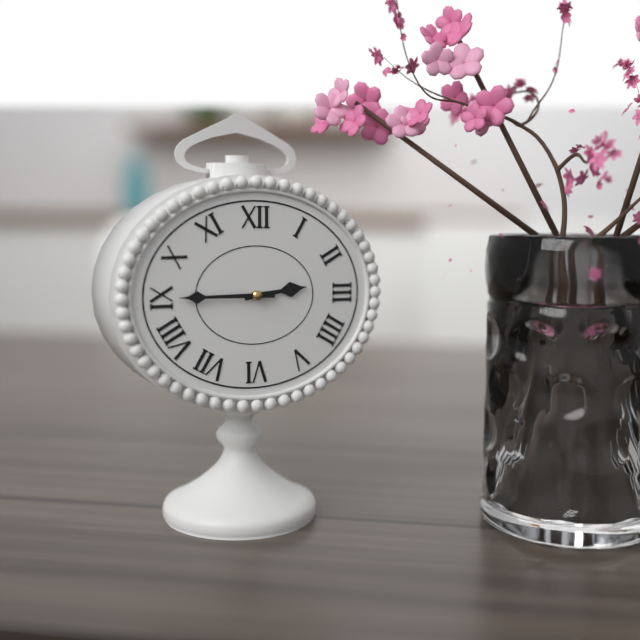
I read 2.45
